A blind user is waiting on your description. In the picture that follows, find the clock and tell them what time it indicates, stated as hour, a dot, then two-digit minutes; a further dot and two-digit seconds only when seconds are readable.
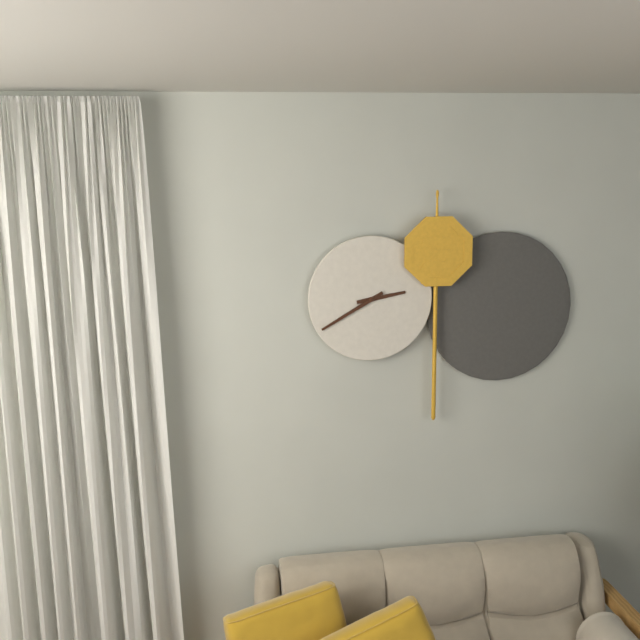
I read 2.40
